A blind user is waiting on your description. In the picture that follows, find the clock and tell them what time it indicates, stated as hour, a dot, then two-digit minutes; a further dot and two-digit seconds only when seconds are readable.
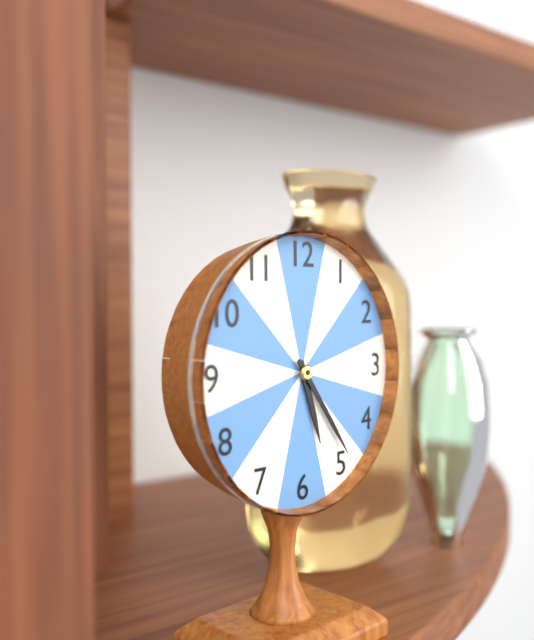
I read 5.24
